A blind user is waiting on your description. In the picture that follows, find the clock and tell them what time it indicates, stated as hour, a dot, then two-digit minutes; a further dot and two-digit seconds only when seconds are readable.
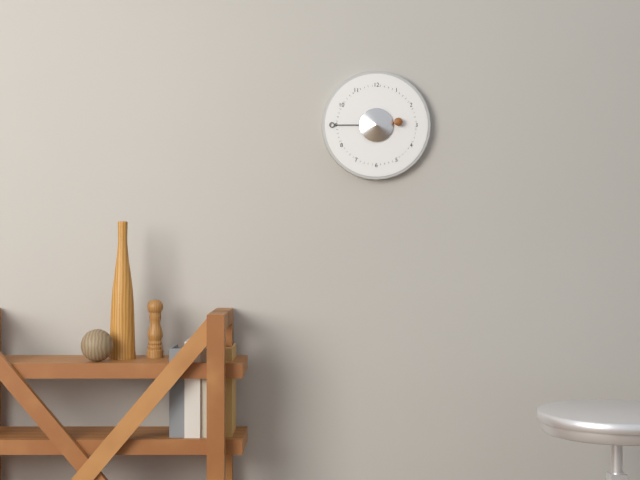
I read 2.45
